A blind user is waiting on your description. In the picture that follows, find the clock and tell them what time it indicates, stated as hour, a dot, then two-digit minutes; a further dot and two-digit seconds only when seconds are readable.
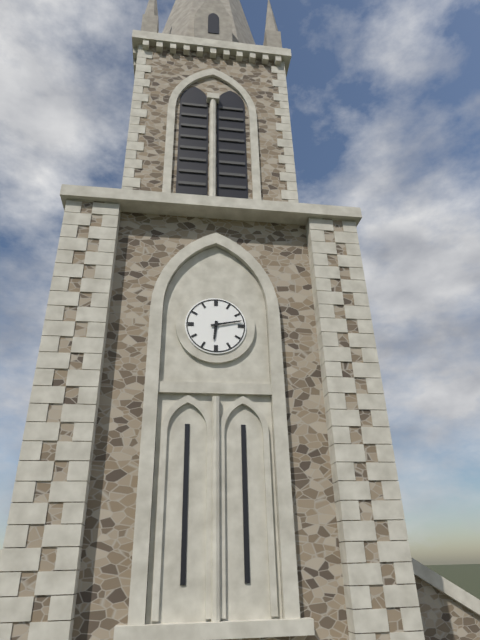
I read 6.13
